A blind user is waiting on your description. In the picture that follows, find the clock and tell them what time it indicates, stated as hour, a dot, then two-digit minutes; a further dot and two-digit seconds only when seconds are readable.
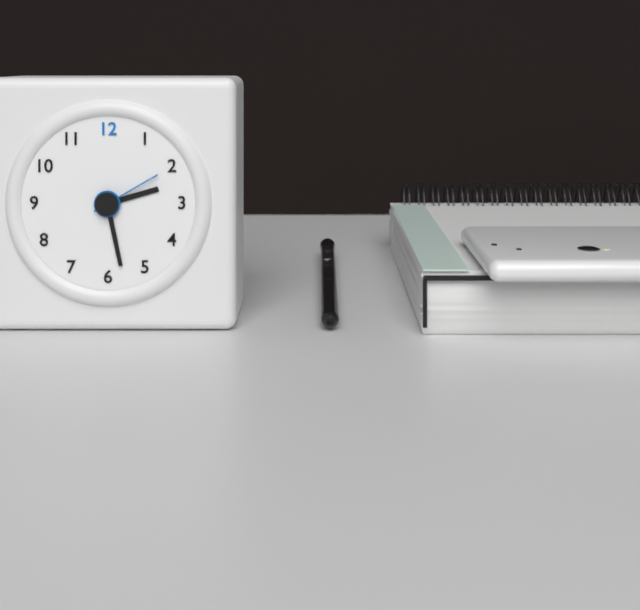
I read 2.28.10
